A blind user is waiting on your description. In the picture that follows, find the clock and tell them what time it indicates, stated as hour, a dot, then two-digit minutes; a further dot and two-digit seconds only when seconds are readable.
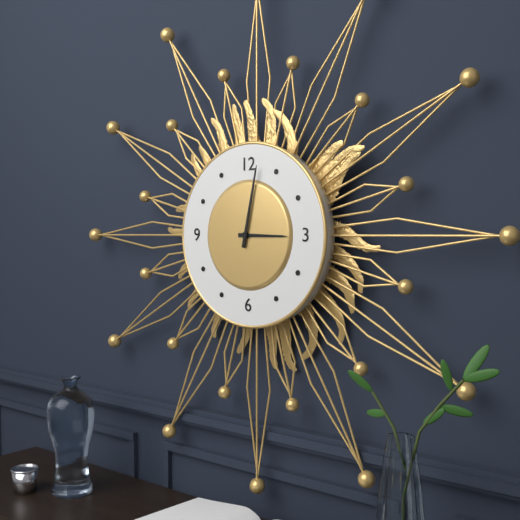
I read 3.02
